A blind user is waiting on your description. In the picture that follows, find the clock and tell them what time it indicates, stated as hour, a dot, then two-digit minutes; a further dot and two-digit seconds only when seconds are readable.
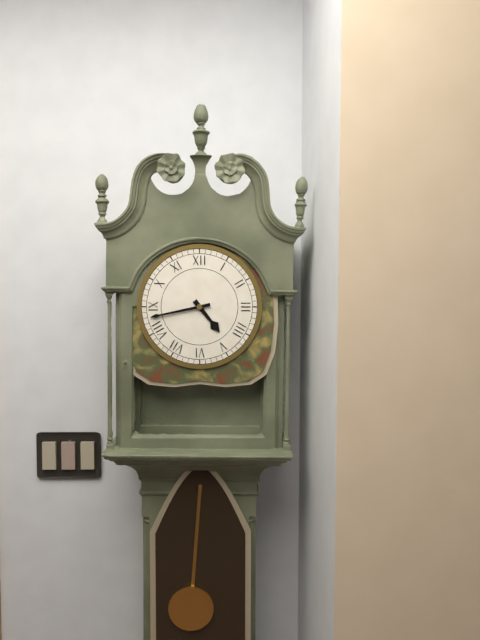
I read 4.43
